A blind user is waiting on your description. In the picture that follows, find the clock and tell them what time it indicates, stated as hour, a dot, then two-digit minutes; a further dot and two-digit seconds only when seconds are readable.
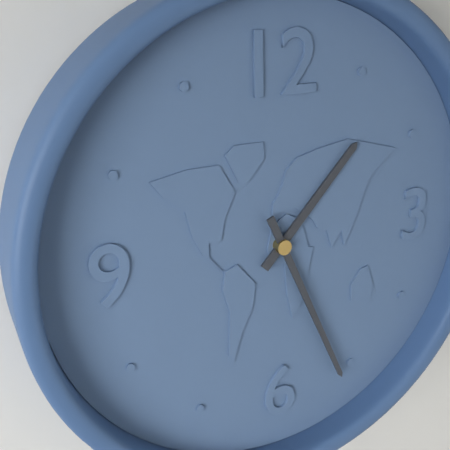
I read 1.26
